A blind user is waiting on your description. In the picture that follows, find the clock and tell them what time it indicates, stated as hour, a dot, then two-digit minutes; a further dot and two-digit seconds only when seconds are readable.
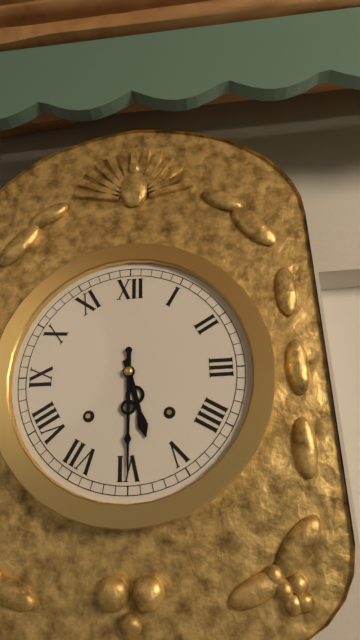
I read 5.30
